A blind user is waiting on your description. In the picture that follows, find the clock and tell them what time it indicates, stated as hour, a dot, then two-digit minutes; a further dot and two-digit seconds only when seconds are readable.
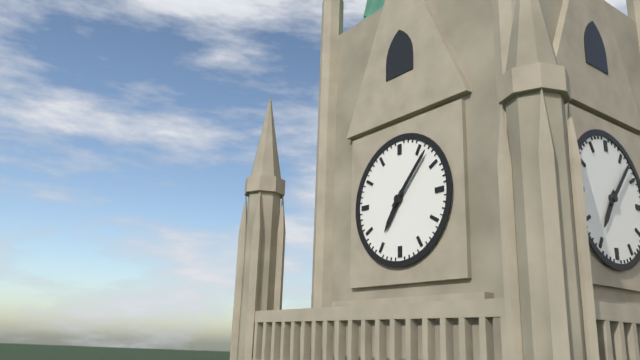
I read 7.07
